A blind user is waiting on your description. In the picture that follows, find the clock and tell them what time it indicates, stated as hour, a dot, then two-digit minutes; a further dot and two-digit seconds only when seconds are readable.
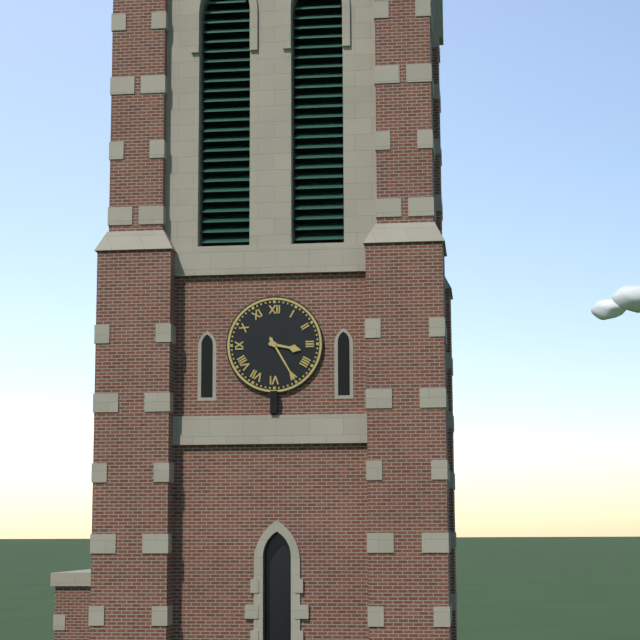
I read 3.25
